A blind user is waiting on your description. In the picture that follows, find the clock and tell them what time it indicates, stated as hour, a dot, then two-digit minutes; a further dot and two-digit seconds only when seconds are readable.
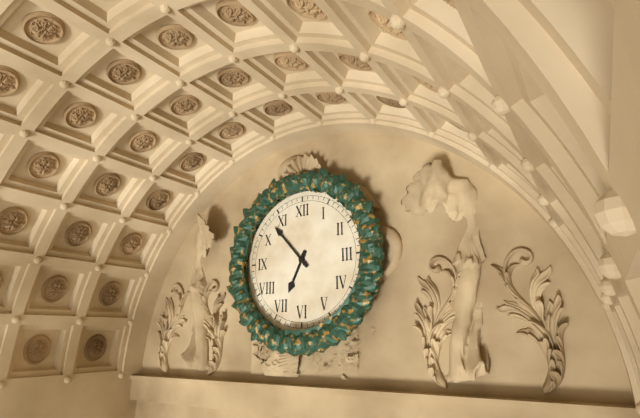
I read 6.53
